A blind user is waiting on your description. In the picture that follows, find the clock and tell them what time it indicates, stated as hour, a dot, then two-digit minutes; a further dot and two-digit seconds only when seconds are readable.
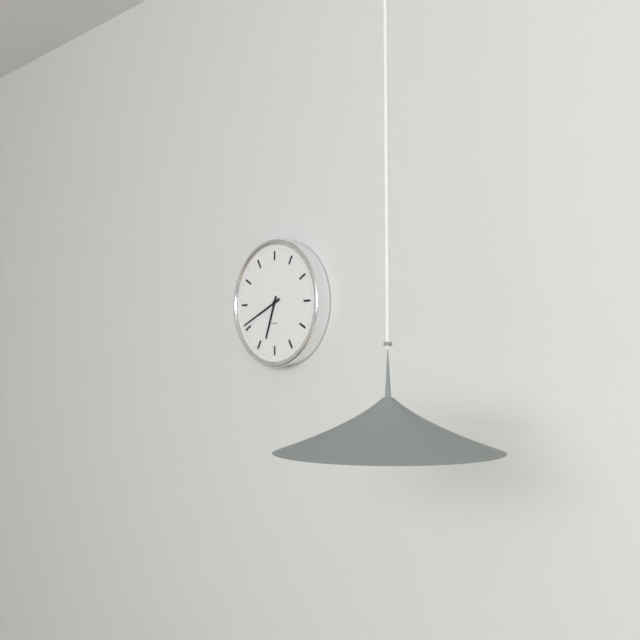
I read 6.41
